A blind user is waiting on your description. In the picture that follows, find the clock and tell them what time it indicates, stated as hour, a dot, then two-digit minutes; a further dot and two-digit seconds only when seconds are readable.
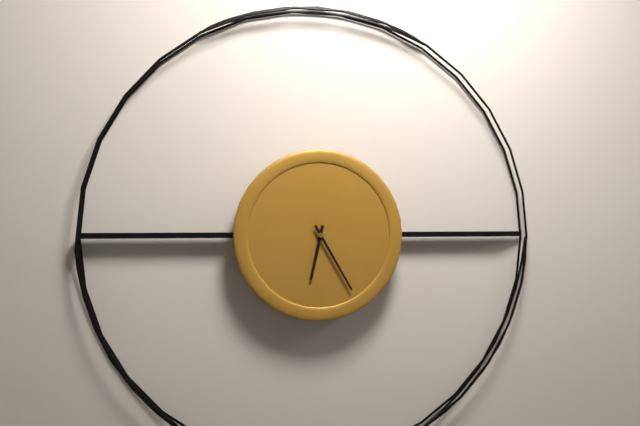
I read 6.25
